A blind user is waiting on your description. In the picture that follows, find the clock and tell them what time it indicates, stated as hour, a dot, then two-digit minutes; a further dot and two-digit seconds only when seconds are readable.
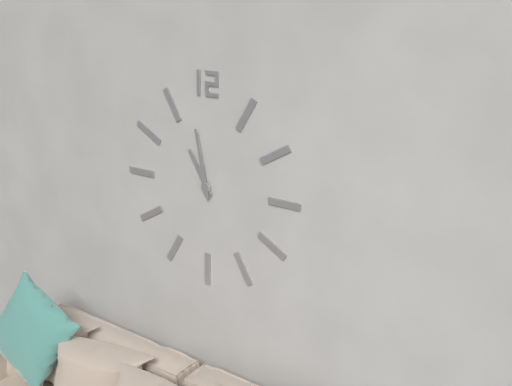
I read 10.58
